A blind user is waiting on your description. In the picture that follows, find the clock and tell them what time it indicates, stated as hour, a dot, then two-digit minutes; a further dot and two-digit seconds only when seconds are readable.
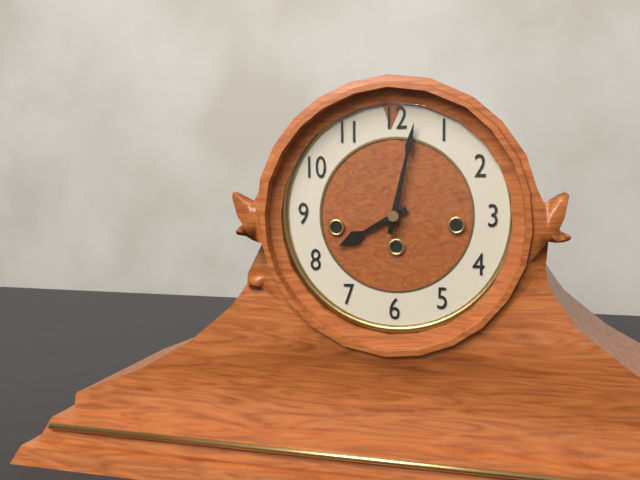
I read 8.02
